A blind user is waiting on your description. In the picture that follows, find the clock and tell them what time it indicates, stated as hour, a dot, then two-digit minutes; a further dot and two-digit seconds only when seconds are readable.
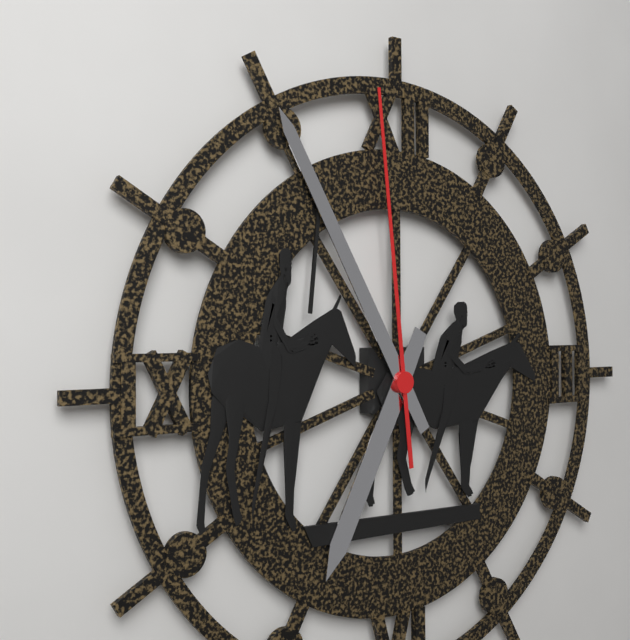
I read 6.55.59
